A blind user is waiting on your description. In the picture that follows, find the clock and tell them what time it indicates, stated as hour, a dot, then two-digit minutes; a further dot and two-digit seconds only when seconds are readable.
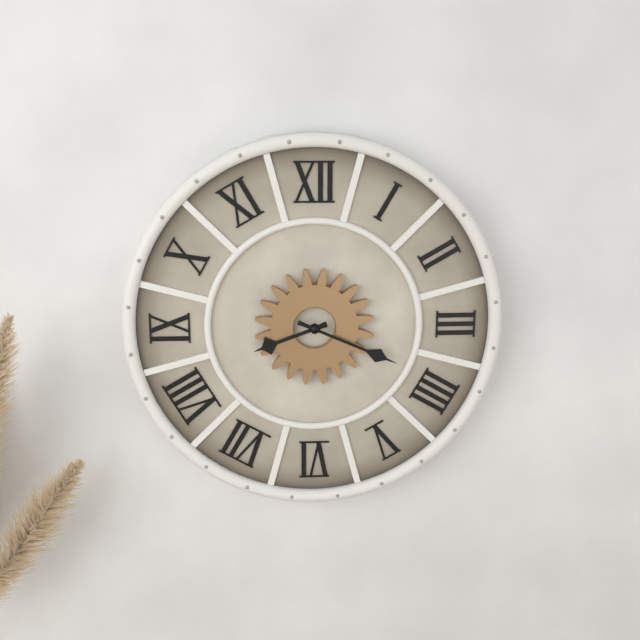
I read 8.19
